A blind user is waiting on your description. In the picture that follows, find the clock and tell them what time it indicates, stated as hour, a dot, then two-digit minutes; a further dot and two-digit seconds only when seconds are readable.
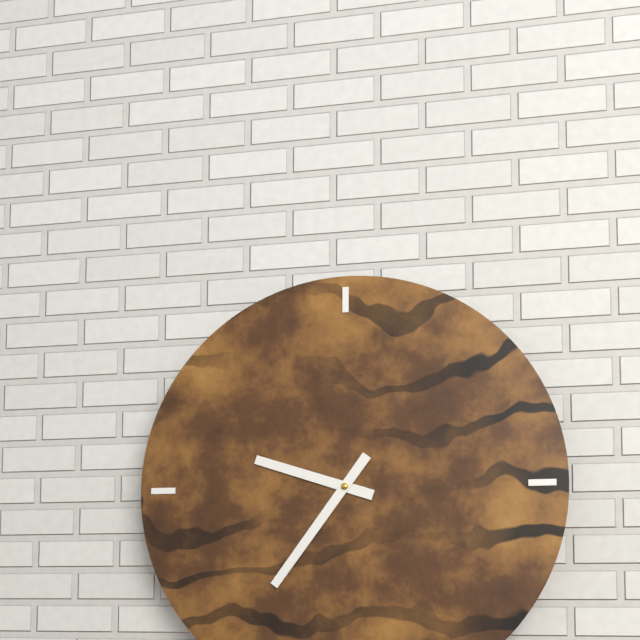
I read 9.36
